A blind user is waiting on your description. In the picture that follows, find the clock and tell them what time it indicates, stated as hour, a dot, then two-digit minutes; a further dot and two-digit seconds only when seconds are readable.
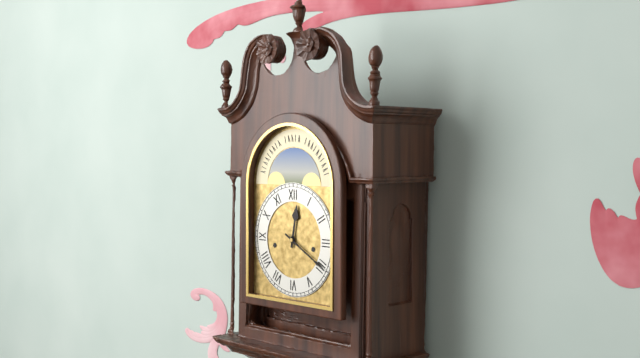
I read 12.20
